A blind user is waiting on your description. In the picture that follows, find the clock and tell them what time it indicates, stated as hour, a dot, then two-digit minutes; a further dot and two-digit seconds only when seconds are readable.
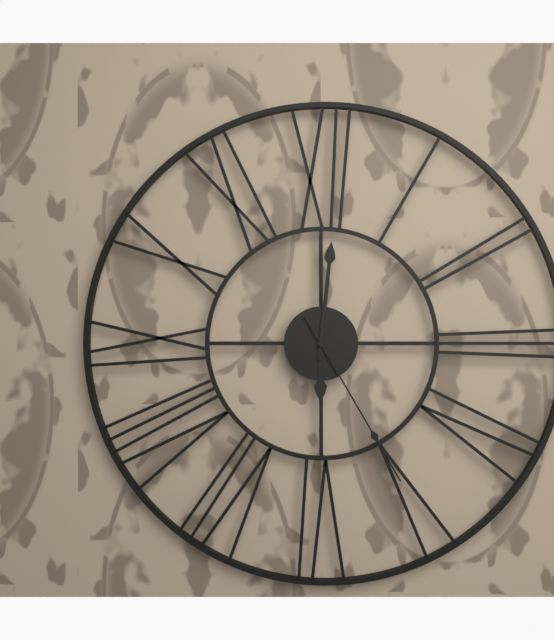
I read 6.01.25
